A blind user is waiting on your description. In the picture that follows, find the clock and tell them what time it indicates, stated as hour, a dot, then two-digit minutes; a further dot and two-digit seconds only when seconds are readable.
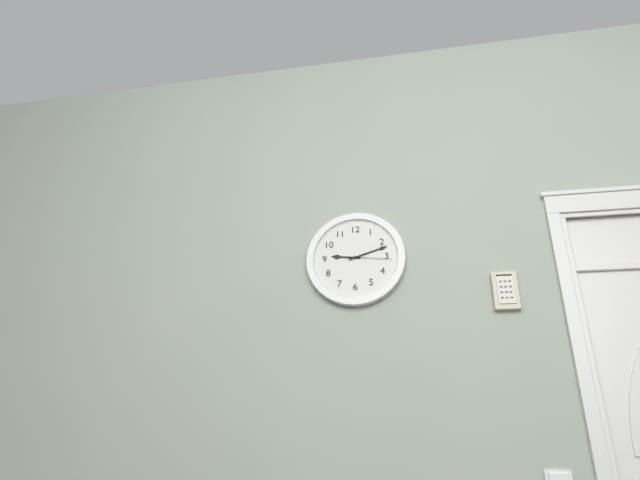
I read 9.12
